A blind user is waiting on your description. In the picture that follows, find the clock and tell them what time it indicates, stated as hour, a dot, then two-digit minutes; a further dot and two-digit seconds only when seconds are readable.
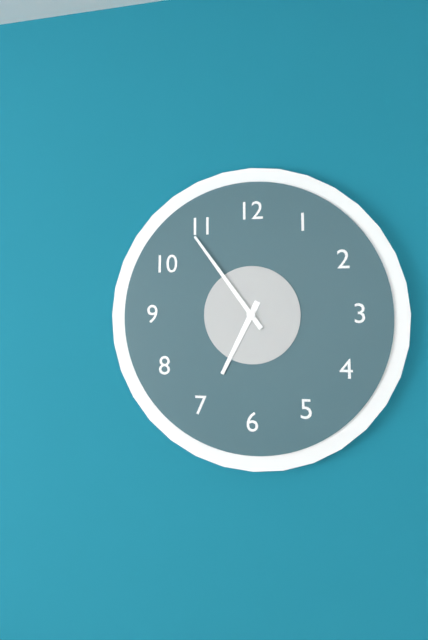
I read 6.54
